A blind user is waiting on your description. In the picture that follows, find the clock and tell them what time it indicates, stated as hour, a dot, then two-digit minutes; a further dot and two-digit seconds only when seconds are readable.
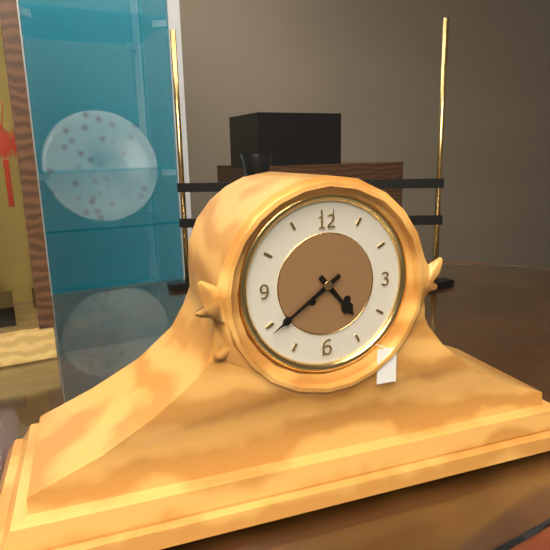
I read 4.39
